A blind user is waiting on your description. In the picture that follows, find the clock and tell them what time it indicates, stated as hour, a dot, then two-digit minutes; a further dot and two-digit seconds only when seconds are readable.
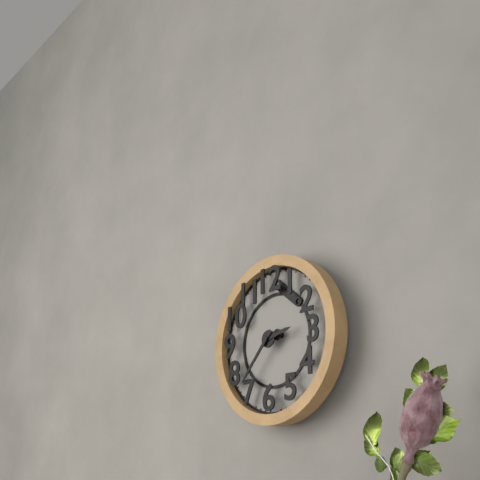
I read 2.37
